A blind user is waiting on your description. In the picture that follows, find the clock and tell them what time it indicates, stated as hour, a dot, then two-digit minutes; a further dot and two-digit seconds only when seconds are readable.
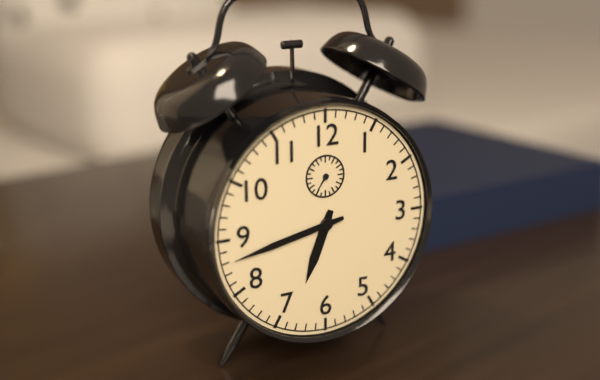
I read 6.43
